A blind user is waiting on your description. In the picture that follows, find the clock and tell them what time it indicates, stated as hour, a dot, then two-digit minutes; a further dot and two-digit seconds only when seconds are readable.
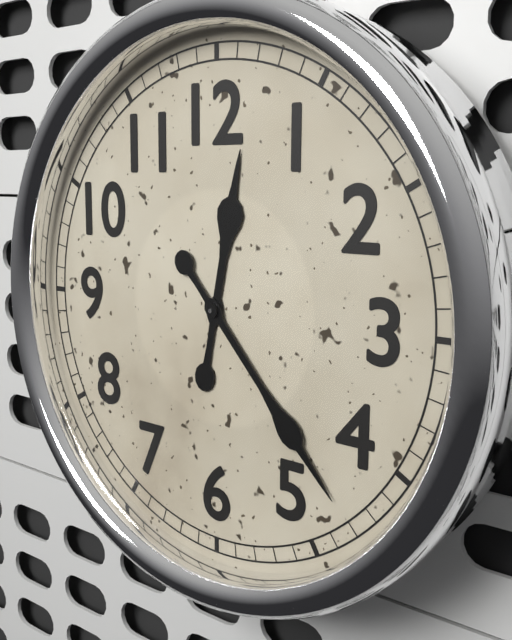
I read 12.23
